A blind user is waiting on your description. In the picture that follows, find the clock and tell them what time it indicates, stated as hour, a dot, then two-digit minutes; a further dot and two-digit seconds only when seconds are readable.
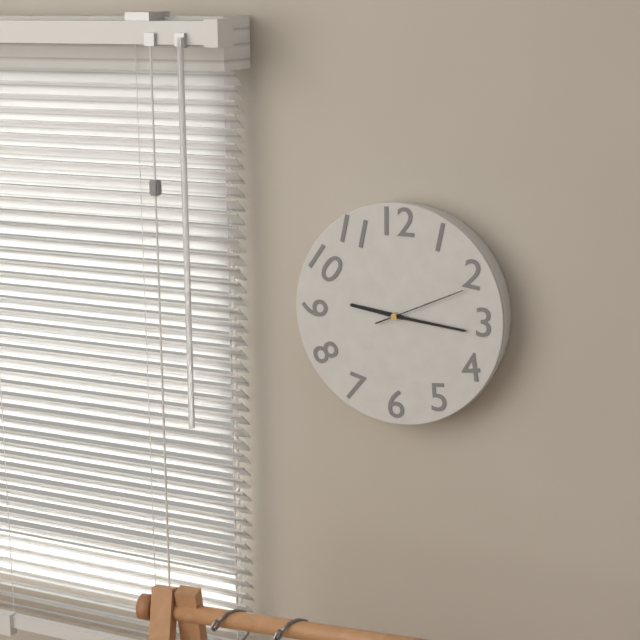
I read 9.16.11
